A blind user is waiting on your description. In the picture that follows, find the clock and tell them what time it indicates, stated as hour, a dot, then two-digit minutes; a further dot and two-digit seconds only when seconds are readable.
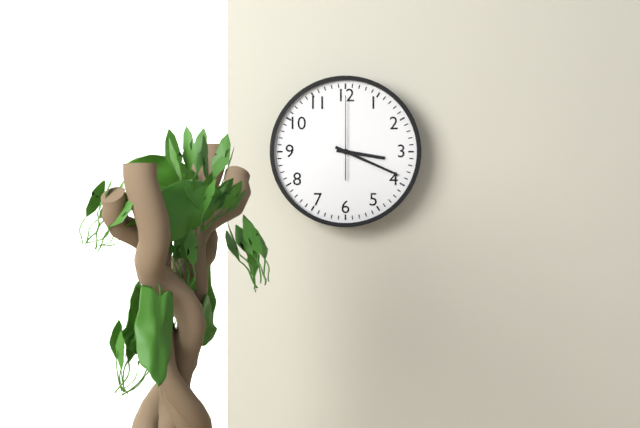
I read 3.19.00
